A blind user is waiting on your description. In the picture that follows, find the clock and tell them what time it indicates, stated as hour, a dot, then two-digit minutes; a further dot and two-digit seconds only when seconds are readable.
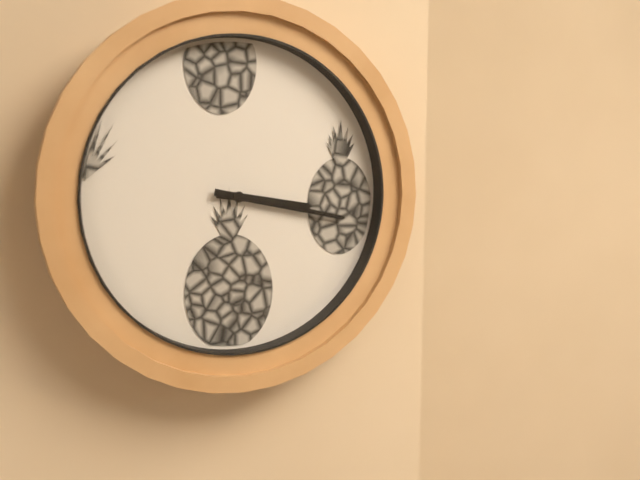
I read 3.17
